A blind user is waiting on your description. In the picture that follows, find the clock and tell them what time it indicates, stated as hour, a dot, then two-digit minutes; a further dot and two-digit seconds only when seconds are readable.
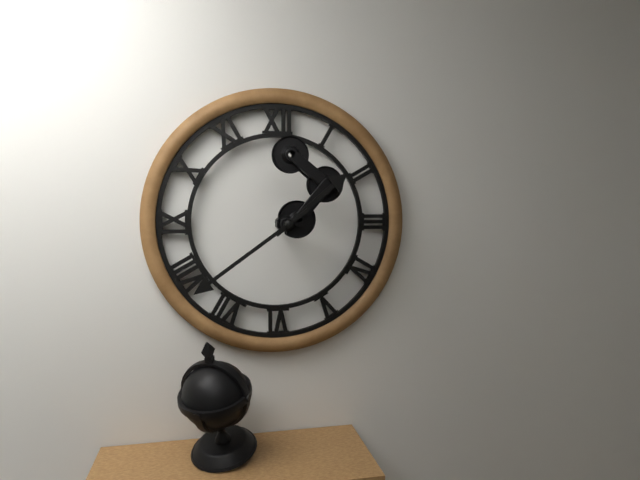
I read 1.39
